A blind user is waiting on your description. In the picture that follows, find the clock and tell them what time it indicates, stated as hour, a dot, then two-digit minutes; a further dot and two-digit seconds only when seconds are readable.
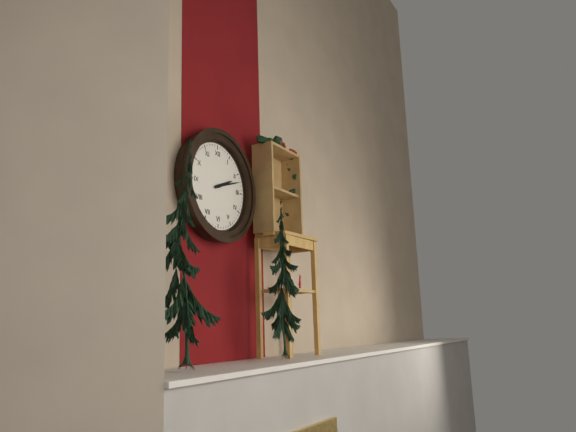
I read 2.12
